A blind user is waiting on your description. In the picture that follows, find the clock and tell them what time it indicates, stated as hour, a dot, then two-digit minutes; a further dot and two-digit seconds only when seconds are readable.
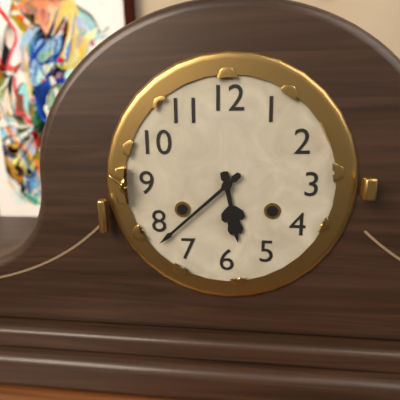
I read 5.38
